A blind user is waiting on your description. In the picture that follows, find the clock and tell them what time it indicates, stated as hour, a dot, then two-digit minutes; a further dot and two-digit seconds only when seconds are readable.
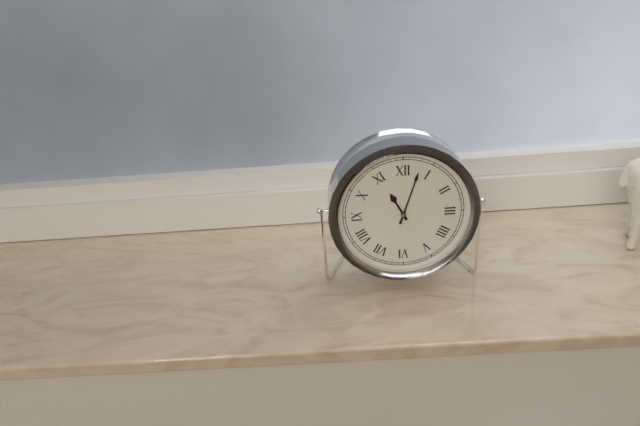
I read 11.03
